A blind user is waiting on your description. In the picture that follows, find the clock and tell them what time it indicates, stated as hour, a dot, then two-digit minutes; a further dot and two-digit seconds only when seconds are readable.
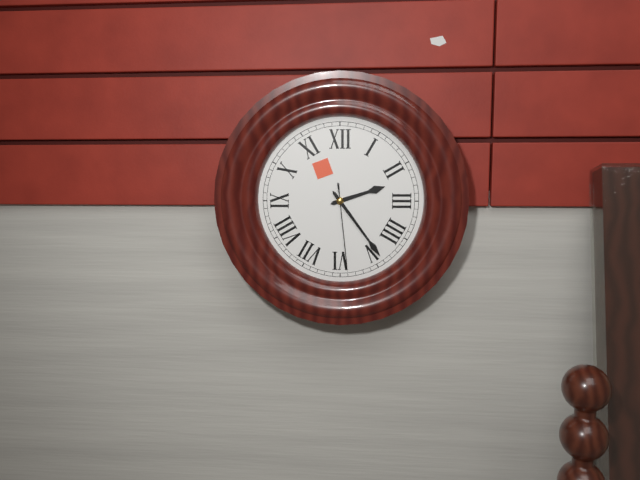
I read 2.24.29
